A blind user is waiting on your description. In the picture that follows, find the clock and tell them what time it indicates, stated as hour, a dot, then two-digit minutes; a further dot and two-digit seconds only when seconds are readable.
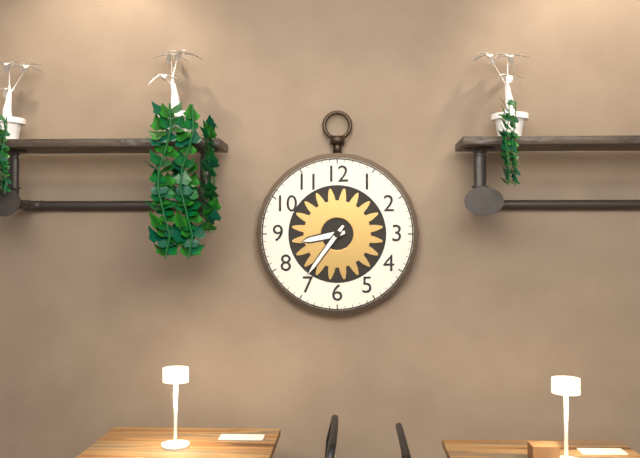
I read 8.36
